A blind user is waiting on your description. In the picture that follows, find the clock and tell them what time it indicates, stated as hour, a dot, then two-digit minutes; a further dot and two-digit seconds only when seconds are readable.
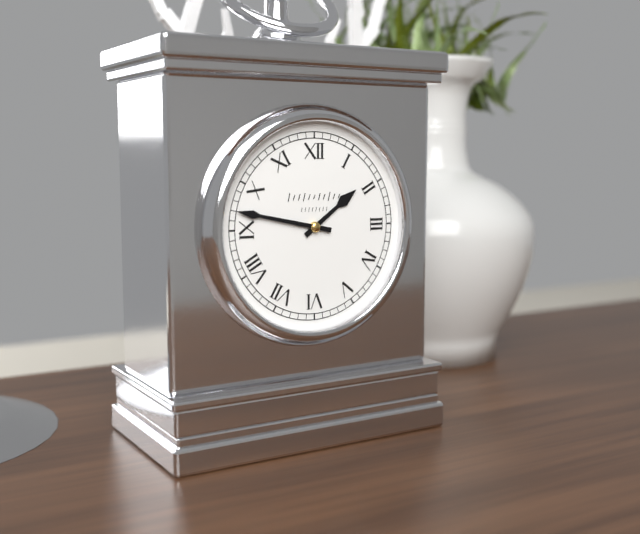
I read 1.47
